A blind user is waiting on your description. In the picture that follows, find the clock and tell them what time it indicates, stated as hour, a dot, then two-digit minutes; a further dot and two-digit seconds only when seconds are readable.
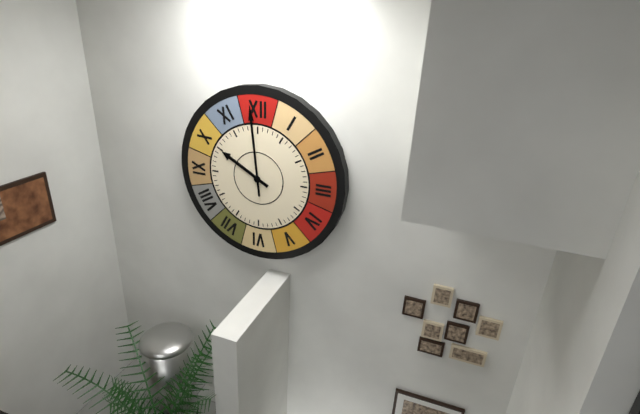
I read 9.59
